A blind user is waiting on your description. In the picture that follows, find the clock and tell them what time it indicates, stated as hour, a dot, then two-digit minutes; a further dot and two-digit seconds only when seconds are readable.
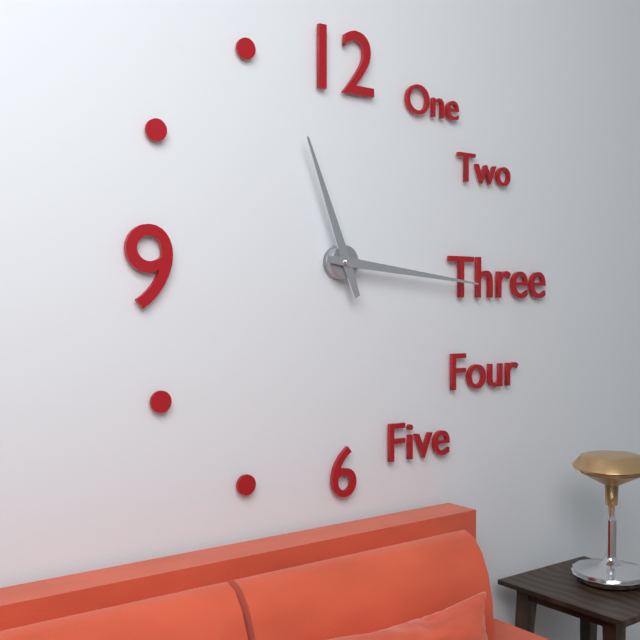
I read 11.16
